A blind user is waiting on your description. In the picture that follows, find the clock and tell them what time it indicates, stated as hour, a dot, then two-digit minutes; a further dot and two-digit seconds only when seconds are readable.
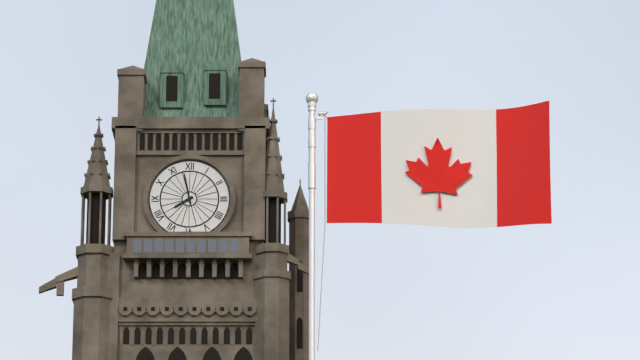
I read 7.58
